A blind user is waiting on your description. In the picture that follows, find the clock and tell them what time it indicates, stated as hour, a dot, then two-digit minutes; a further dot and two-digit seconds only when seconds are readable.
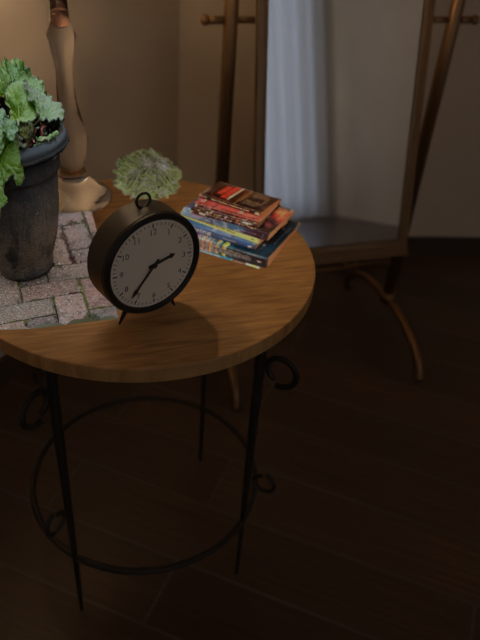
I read 2.37
